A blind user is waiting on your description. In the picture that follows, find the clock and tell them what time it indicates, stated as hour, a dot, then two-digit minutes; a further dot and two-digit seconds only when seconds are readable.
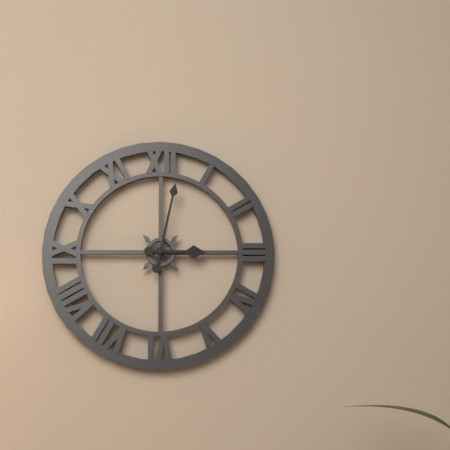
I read 3.02
